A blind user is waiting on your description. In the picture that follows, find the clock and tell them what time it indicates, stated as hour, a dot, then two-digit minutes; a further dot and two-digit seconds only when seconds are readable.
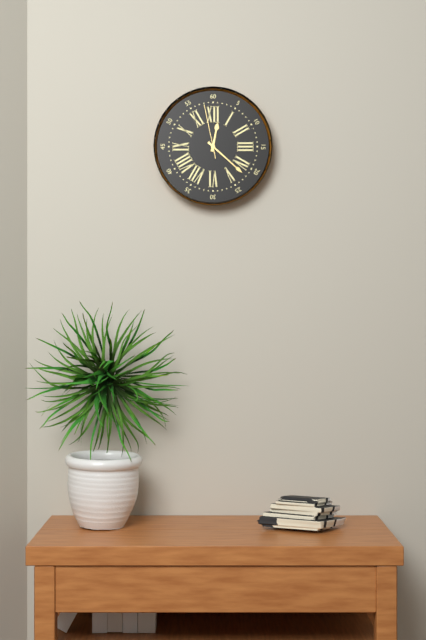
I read 12.22.58
